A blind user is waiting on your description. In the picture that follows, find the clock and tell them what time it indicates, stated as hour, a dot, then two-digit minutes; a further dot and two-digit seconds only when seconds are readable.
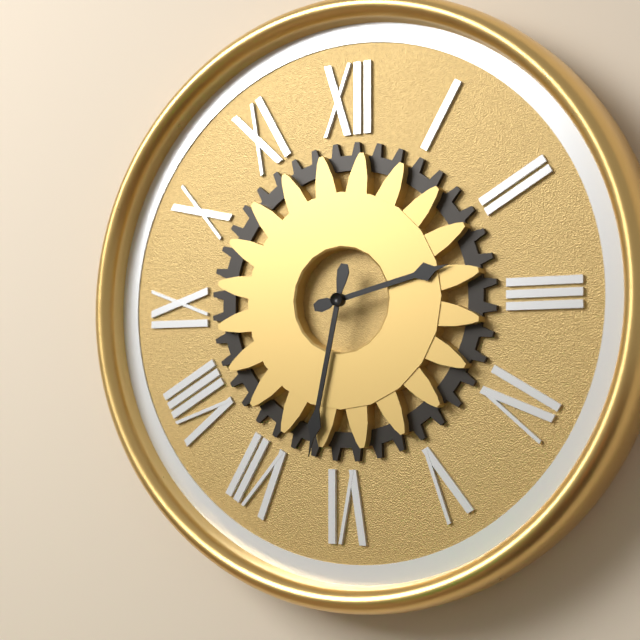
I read 2.32
